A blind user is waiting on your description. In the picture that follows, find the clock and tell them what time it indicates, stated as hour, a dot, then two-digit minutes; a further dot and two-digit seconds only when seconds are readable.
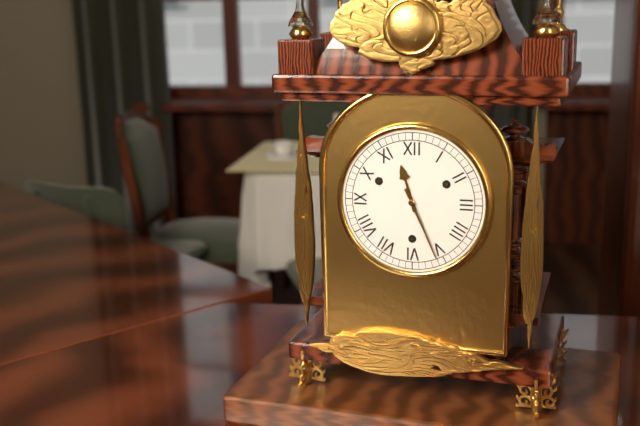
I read 11.26
